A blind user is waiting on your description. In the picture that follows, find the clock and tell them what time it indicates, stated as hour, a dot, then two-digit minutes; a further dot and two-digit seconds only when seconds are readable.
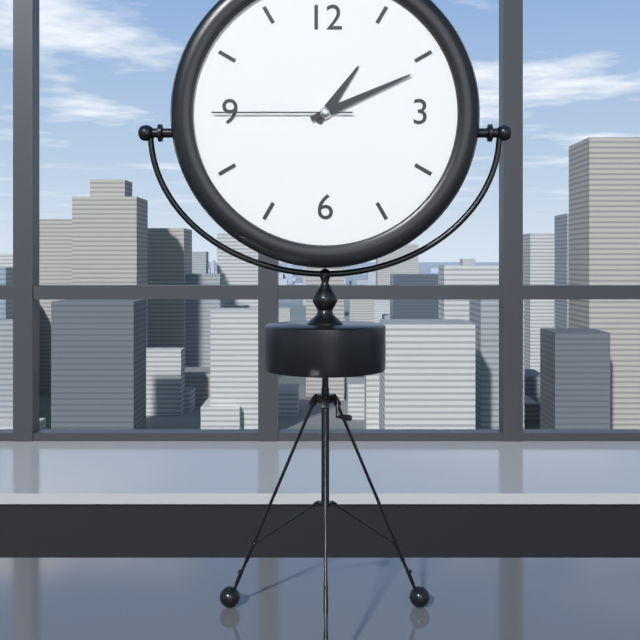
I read 1.11.45
